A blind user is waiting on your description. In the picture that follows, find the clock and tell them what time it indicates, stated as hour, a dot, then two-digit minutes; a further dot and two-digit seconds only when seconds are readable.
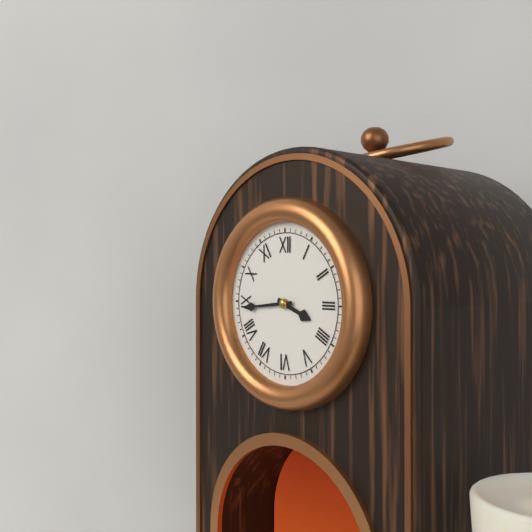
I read 3.44
